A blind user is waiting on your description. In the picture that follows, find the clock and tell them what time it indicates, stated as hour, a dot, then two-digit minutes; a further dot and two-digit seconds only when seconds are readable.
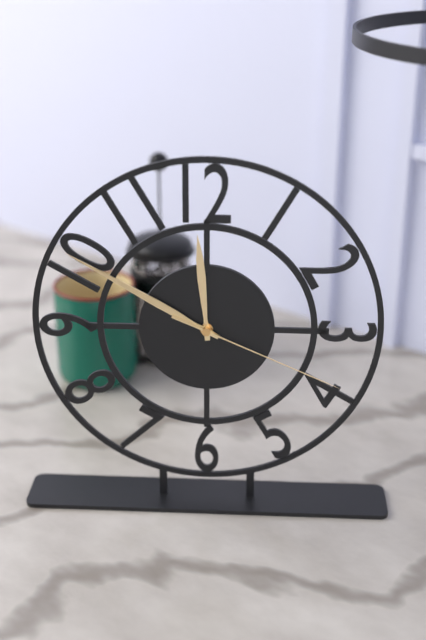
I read 11.50.19
